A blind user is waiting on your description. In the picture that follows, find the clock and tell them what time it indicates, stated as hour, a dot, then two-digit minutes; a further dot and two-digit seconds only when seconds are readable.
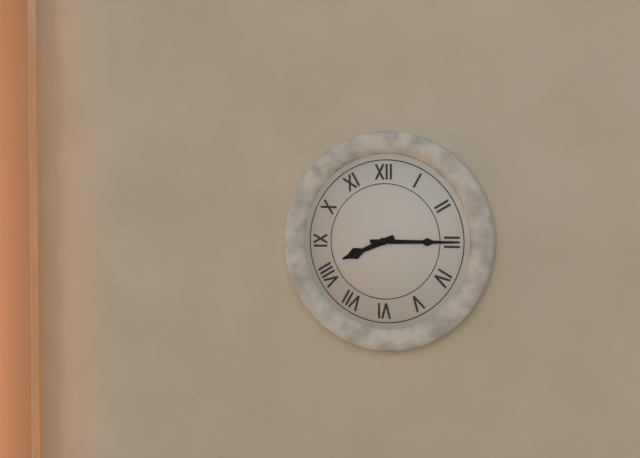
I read 8.15
